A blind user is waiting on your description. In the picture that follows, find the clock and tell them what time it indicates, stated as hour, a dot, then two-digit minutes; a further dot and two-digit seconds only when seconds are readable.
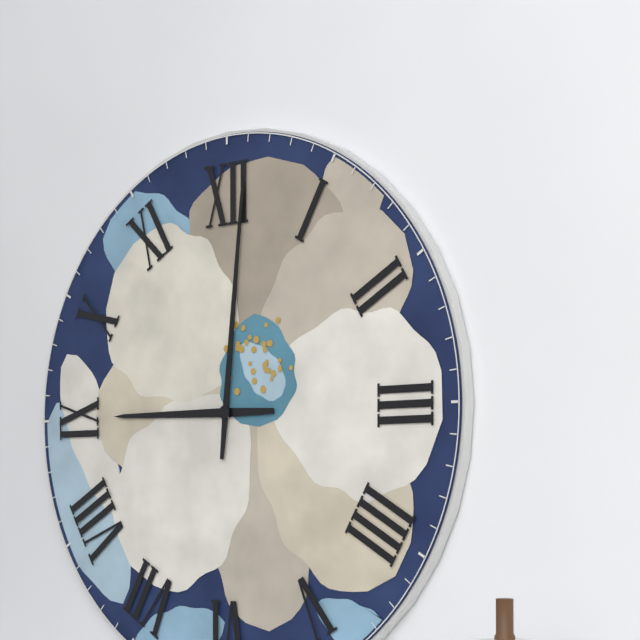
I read 9.01
